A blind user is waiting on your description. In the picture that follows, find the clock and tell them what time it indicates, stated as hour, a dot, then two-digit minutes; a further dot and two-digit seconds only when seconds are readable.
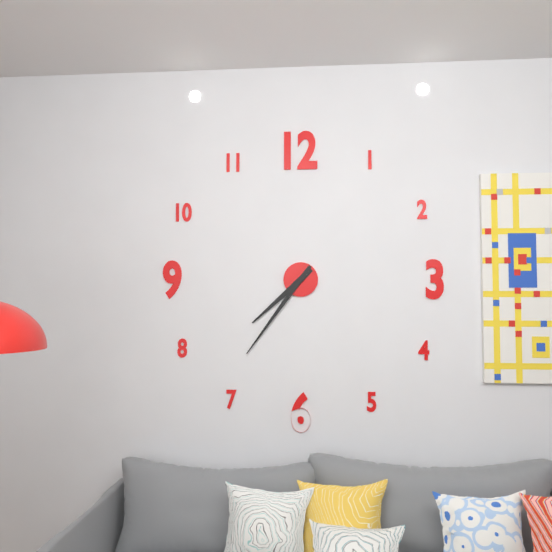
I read 7.36
